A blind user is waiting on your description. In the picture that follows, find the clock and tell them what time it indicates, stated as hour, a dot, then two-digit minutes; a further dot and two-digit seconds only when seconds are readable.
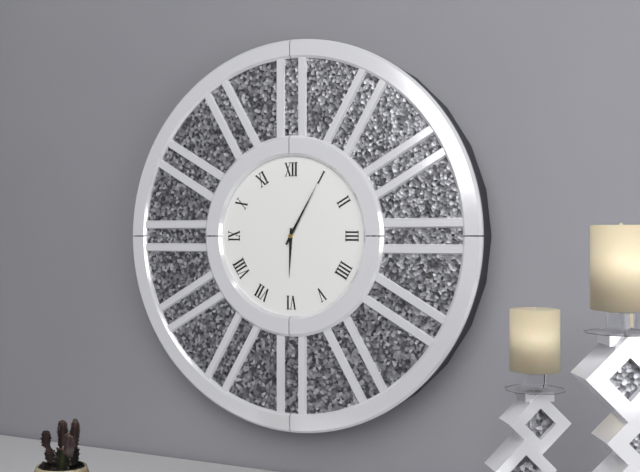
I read 6.05
